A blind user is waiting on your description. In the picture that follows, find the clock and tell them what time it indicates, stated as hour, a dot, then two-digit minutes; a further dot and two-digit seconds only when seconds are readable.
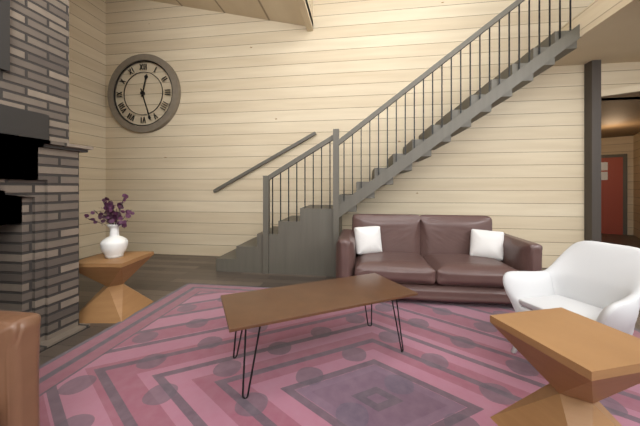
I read 12.27
